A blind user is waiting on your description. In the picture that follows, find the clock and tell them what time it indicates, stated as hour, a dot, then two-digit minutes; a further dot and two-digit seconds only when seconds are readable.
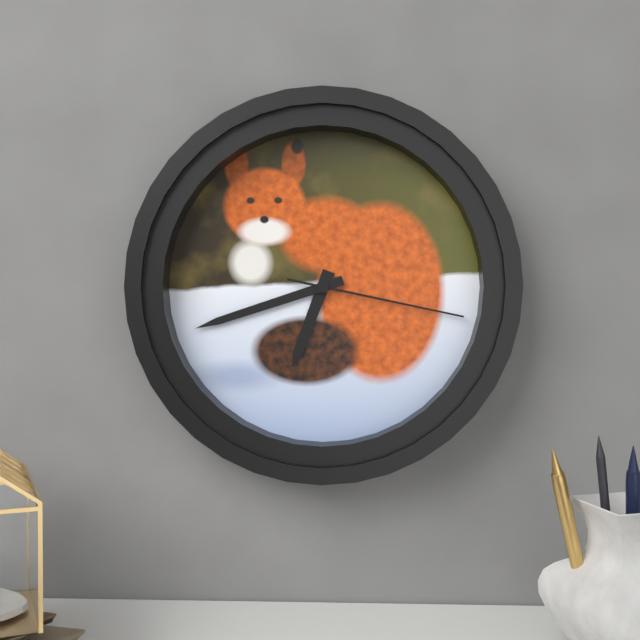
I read 6.42.17
